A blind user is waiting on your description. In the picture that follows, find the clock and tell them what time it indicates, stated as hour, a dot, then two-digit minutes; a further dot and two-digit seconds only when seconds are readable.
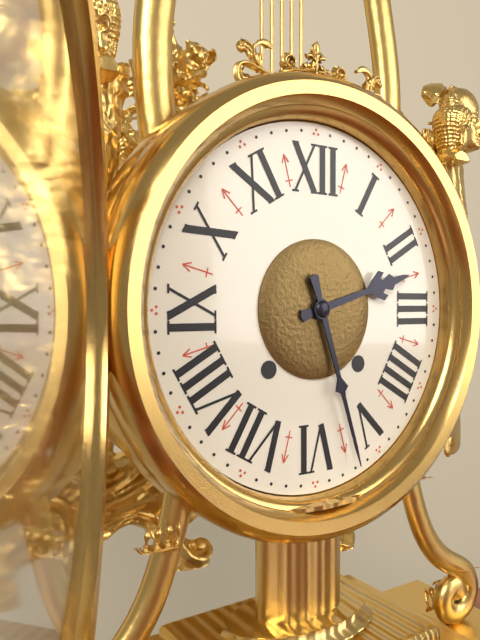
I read 2.27
